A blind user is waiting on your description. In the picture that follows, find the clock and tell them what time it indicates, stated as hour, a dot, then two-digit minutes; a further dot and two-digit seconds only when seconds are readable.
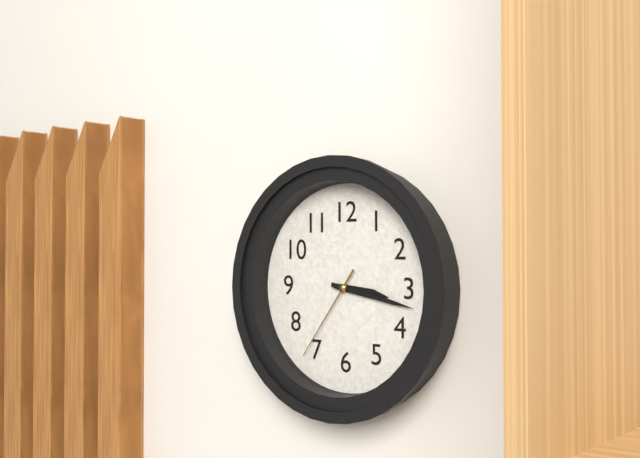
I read 3.17.36
